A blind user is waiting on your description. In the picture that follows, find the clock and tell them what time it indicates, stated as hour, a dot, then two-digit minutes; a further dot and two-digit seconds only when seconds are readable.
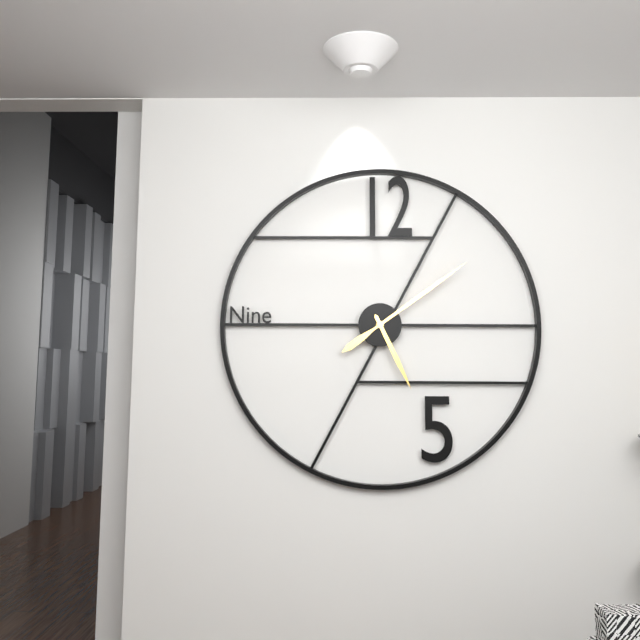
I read 5.09
